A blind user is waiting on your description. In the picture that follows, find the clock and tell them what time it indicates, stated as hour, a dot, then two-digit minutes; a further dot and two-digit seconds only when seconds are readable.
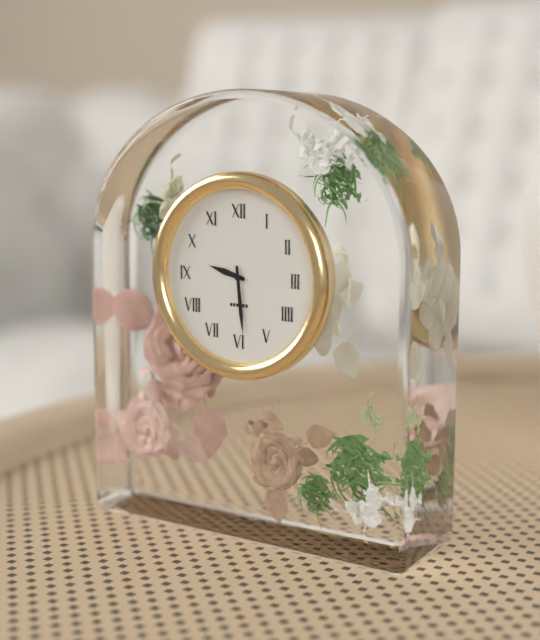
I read 9.29
